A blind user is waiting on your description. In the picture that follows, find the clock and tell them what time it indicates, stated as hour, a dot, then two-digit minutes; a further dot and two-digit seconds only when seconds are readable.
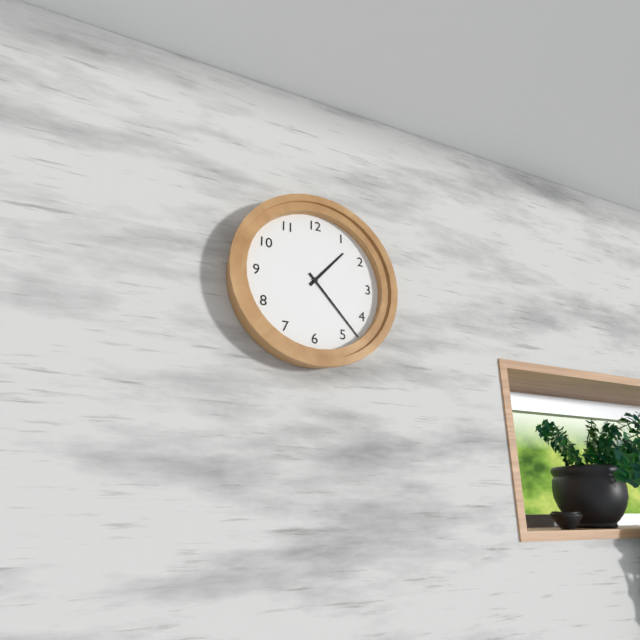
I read 1.23
